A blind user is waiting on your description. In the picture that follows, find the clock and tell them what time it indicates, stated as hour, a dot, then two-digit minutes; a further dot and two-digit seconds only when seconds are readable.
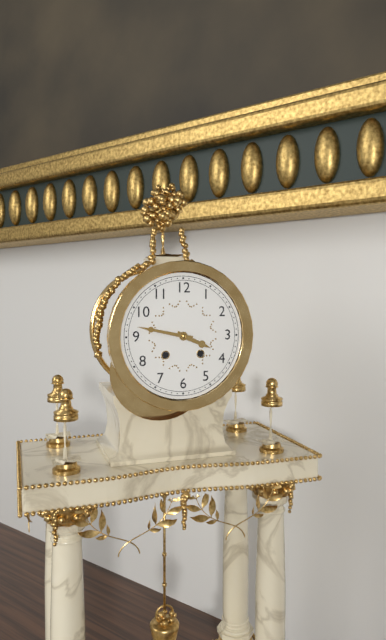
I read 3.47
